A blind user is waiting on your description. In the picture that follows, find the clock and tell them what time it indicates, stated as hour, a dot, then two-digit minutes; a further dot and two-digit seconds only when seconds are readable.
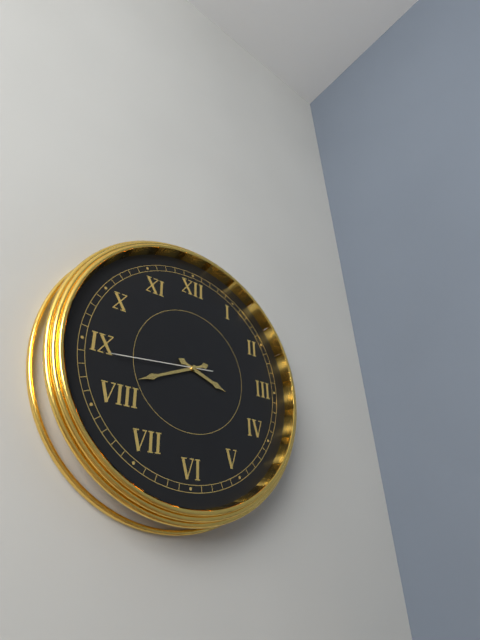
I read 3.41.44
